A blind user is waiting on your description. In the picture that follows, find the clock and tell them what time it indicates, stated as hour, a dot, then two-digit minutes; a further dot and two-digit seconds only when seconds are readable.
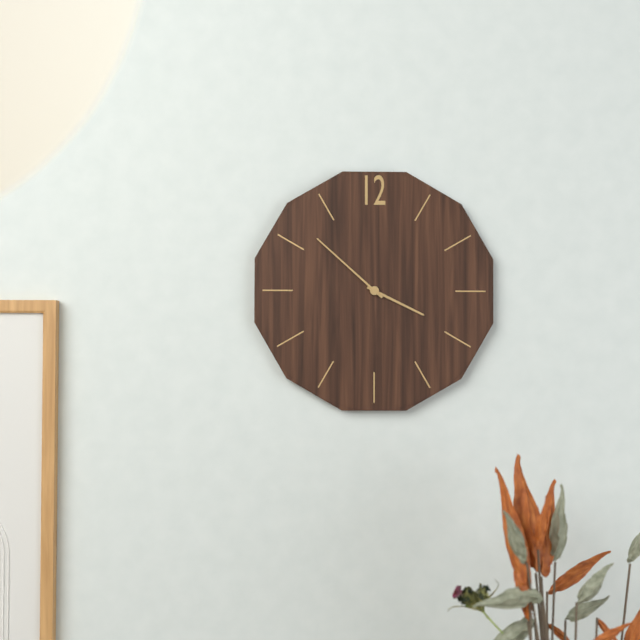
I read 3.52
